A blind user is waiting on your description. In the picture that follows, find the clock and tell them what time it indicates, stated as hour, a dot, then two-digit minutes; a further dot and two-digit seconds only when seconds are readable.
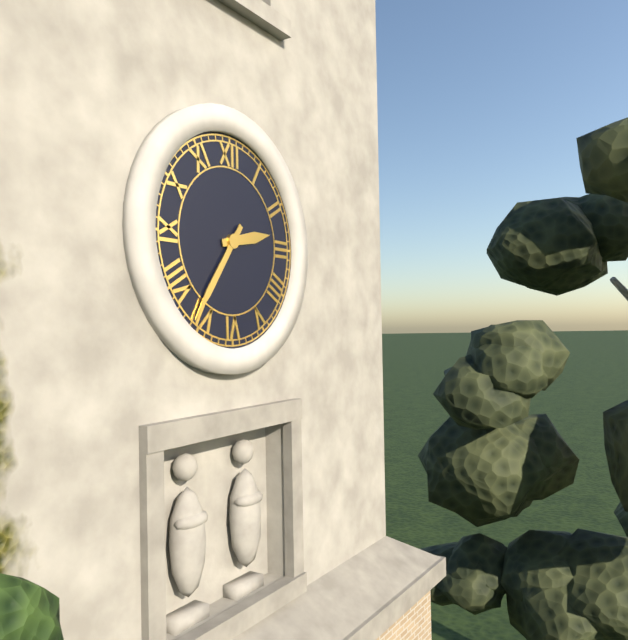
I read 2.36
